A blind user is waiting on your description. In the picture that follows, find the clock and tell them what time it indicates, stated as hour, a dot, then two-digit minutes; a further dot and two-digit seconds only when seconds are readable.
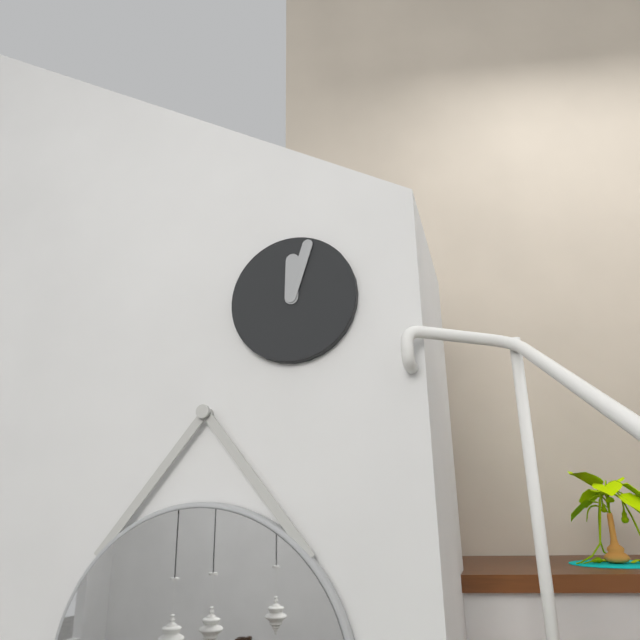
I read 12.03
